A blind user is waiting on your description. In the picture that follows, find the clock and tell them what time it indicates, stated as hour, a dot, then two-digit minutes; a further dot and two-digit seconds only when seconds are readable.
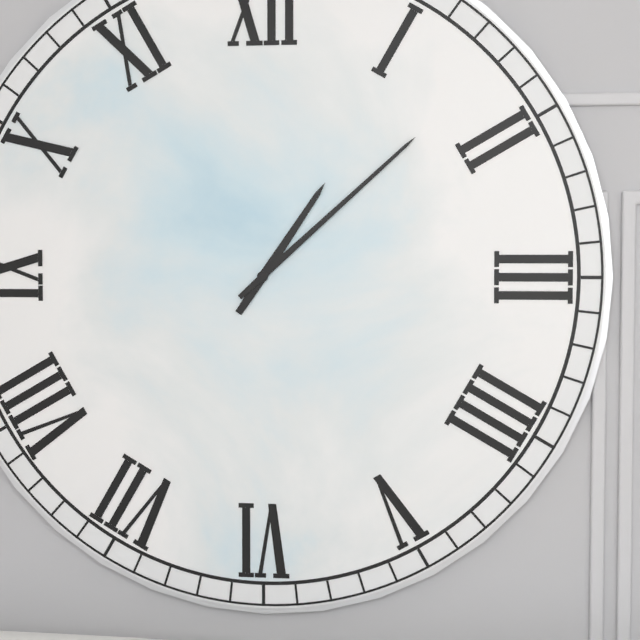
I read 1.08
